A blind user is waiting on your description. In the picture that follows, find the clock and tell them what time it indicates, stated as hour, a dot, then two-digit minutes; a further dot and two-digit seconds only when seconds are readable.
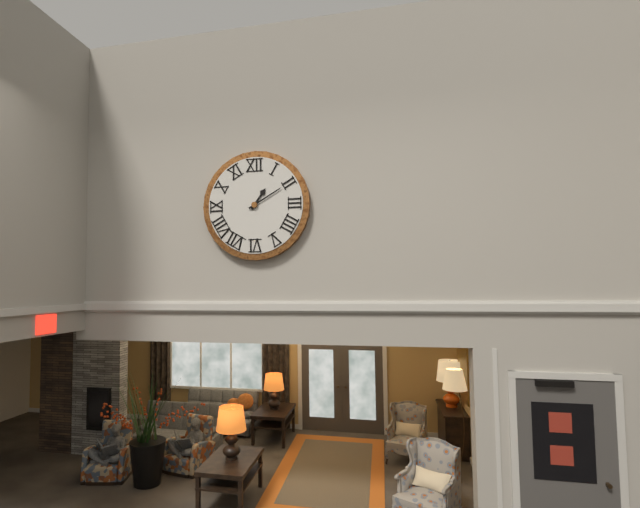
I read 1.10
